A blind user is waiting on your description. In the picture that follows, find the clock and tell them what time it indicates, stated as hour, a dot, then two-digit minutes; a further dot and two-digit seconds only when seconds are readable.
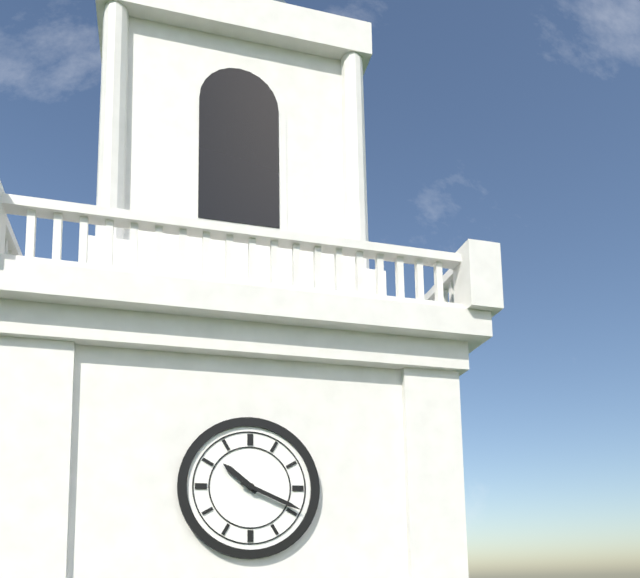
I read 10.19
